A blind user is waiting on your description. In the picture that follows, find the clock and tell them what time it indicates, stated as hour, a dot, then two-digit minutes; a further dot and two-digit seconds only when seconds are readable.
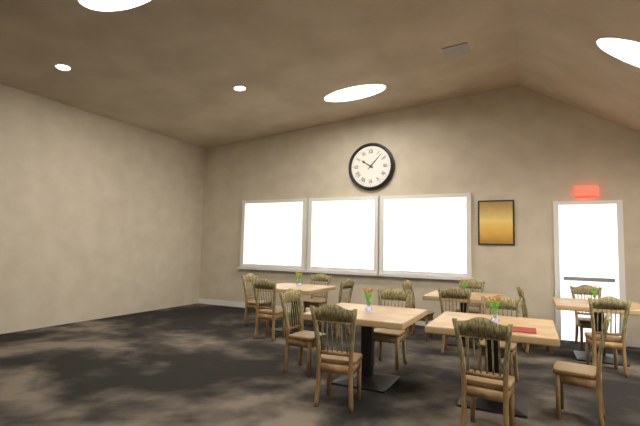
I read 10.07
